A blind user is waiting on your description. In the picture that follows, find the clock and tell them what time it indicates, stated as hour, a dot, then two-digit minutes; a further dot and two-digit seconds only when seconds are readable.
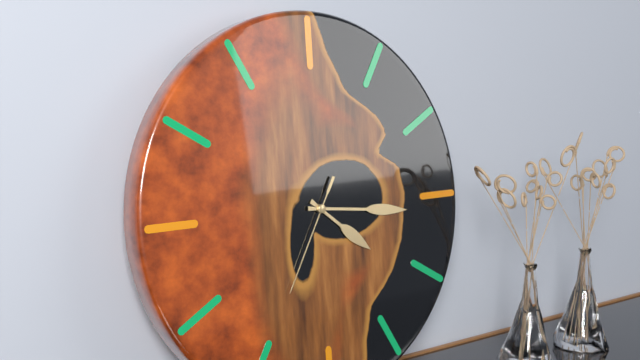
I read 4.16.35
